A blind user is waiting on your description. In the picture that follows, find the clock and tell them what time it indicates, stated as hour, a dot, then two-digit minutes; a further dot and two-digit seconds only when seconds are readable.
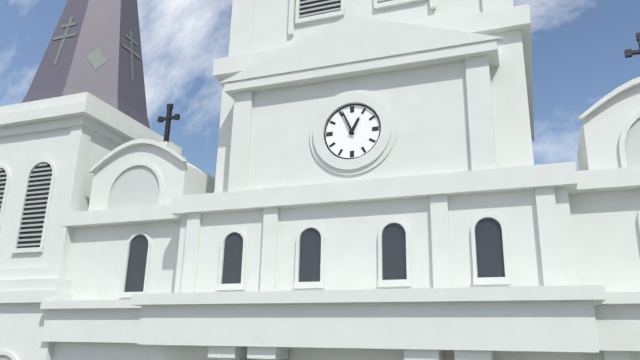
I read 12.56
